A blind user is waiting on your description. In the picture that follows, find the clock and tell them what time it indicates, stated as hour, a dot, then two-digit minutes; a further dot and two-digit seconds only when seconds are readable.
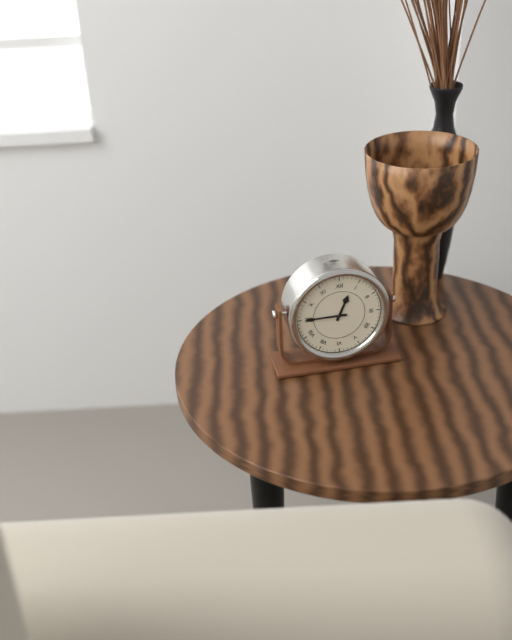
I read 12.45
